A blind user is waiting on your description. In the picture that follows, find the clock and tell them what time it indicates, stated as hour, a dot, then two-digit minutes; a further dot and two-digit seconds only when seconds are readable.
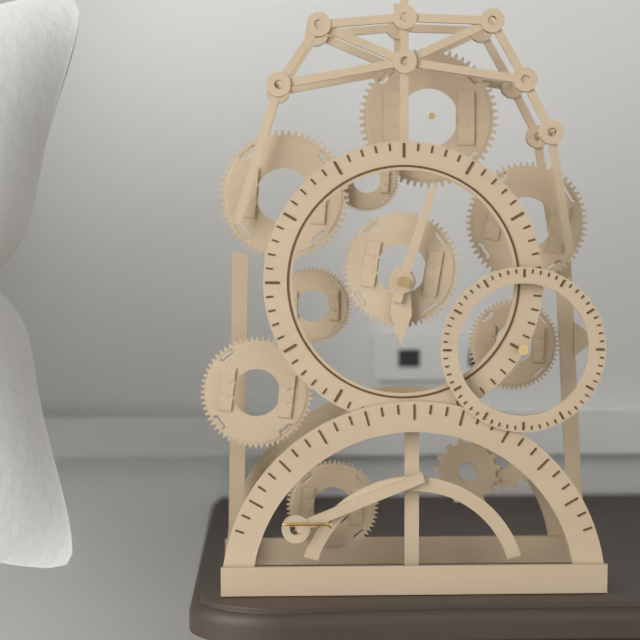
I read 6.03
